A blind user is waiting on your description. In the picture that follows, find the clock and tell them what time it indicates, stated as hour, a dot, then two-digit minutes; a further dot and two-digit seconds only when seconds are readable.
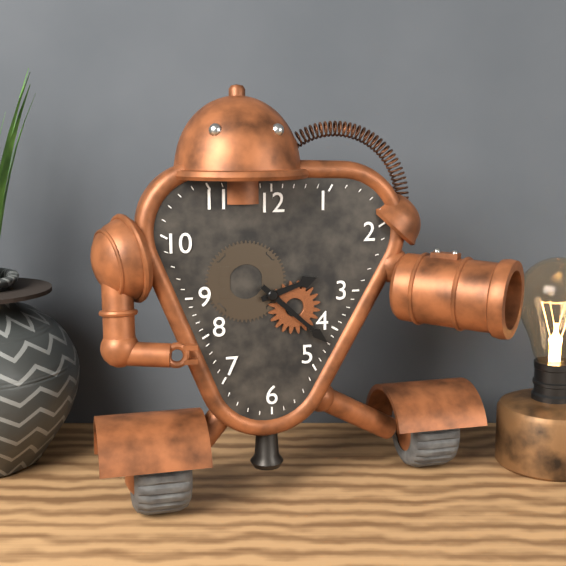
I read 2.22
